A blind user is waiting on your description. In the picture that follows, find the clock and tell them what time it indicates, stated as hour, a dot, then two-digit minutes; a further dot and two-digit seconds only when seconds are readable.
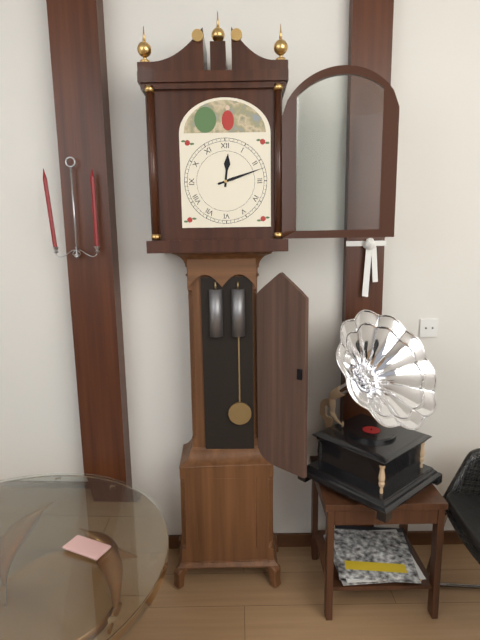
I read 12.12
